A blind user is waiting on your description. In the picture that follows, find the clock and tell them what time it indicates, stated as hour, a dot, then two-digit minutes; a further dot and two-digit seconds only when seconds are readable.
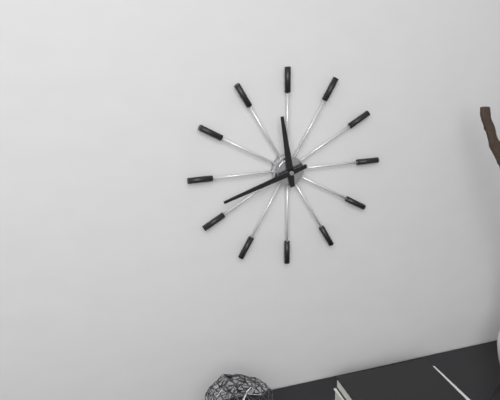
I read 11.42
